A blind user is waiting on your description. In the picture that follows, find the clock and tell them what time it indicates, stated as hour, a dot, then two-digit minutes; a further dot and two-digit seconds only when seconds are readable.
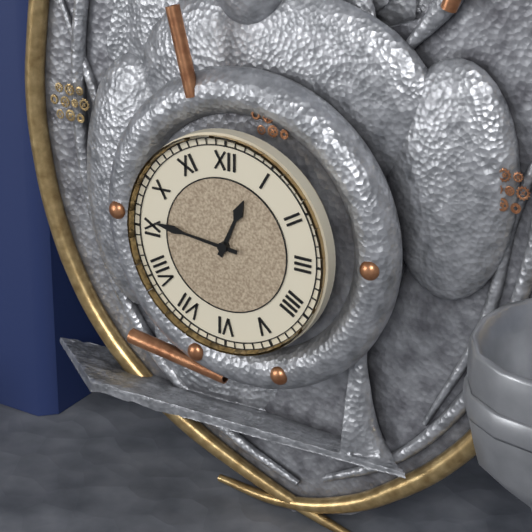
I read 12.46
